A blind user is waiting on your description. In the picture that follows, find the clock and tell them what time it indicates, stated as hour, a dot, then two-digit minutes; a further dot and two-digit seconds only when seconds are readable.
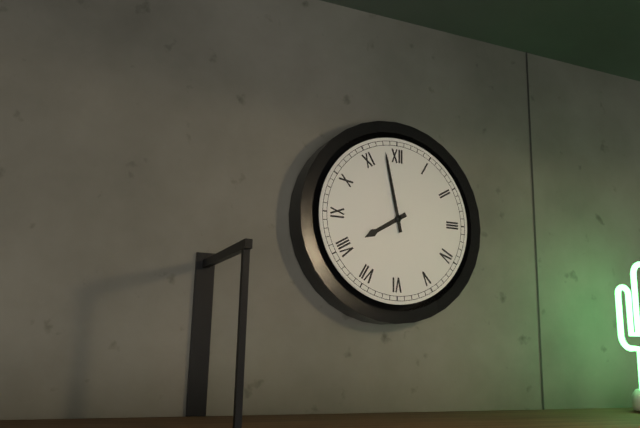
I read 7.58
